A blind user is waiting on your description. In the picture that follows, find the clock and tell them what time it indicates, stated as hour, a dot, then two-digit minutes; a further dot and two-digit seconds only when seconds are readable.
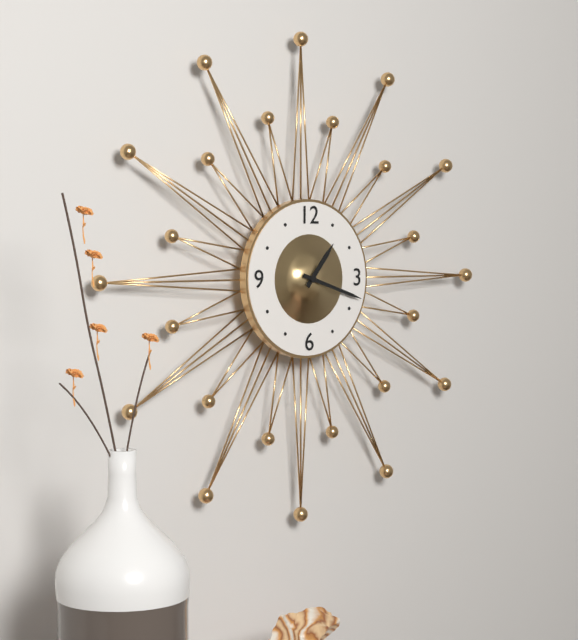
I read 1.18
